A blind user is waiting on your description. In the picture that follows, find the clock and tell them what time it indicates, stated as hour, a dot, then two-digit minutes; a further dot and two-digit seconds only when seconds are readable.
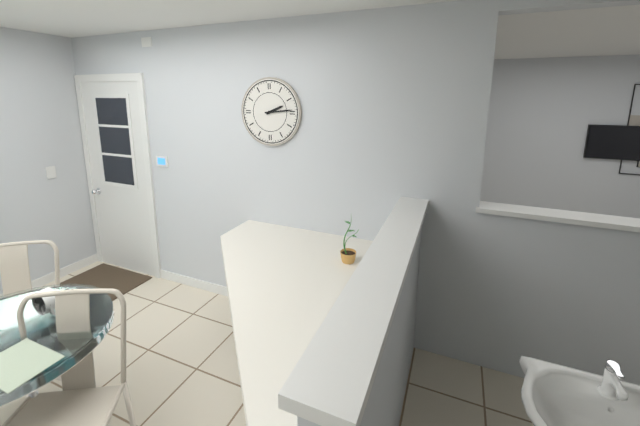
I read 2.14
